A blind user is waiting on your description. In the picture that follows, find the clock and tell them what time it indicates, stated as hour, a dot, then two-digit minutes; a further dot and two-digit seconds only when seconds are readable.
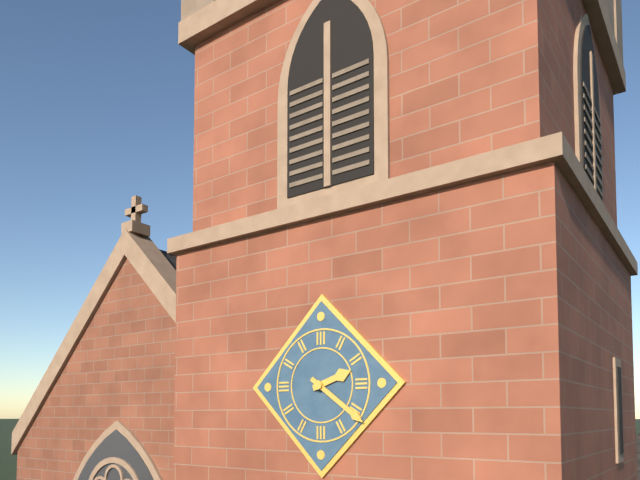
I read 2.21
